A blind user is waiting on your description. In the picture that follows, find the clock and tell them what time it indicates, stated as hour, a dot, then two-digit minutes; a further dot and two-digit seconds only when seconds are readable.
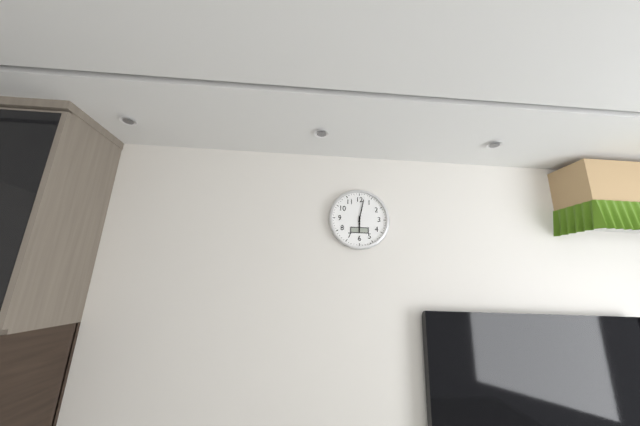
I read 6.02
